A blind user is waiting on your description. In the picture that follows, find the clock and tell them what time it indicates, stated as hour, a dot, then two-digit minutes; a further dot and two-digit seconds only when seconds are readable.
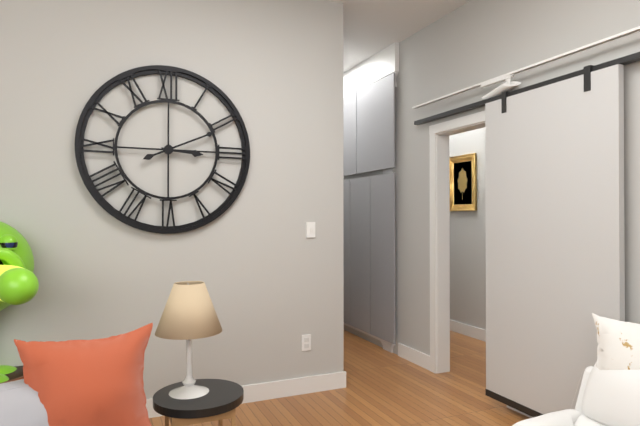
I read 3.11
